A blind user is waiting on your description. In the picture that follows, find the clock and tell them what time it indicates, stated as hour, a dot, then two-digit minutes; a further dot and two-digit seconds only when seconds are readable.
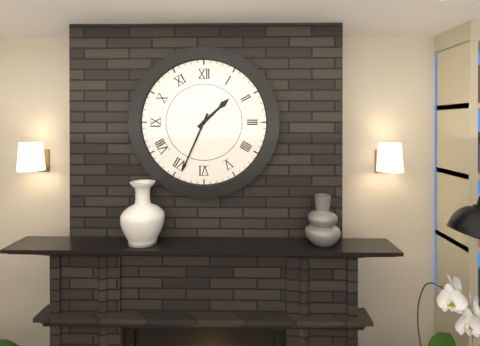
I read 1.34
